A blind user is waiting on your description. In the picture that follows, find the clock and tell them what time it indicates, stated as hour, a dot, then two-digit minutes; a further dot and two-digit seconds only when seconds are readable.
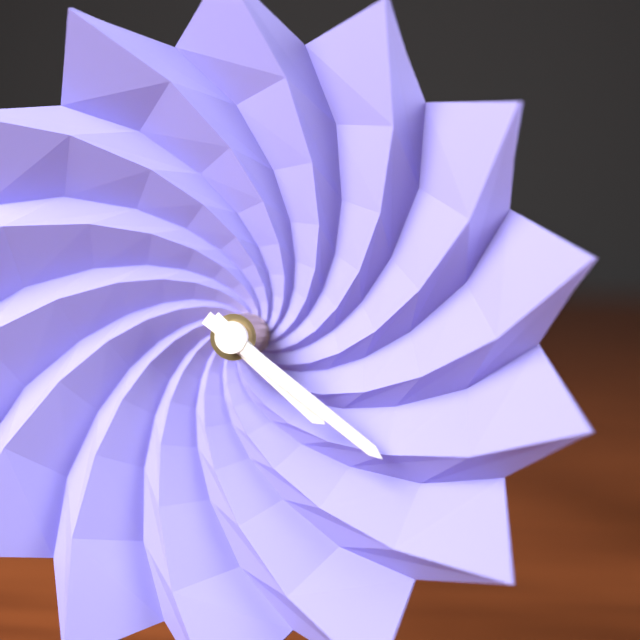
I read 4.21
